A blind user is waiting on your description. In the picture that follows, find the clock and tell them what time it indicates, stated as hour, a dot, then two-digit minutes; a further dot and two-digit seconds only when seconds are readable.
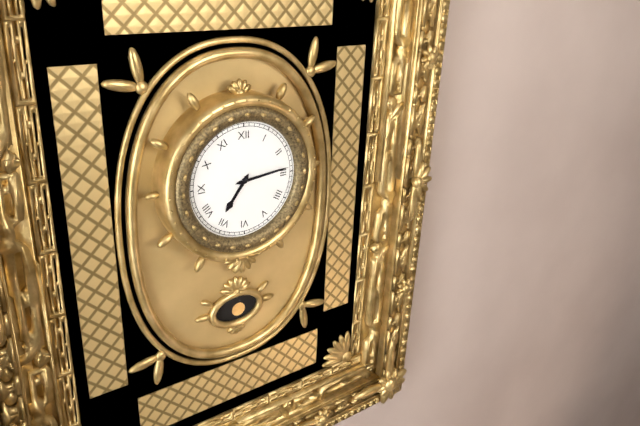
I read 7.14
